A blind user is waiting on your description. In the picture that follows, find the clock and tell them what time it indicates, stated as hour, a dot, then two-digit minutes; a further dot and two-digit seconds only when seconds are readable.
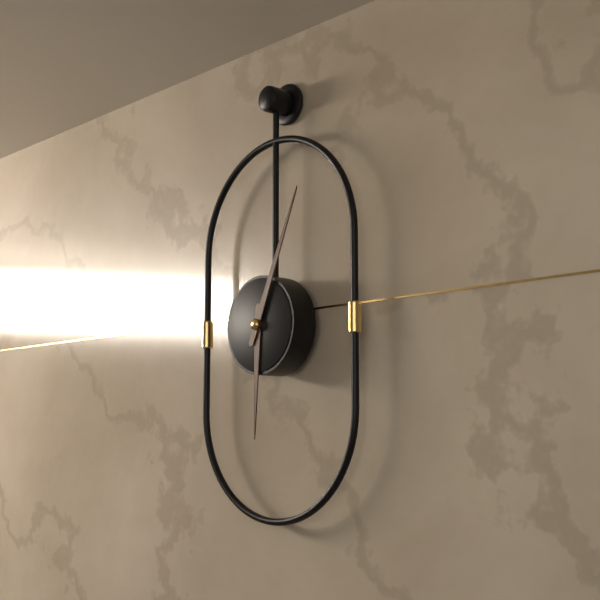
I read 6.04
